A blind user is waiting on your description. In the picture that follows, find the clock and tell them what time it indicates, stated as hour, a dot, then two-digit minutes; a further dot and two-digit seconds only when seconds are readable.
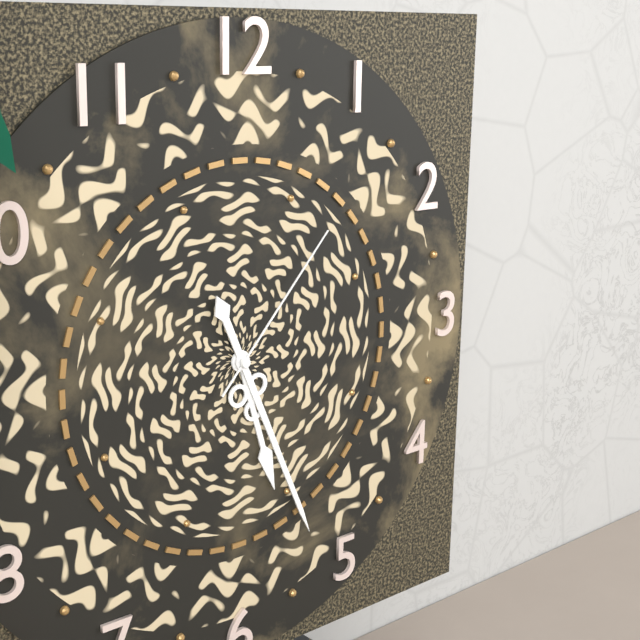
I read 5.26.07
